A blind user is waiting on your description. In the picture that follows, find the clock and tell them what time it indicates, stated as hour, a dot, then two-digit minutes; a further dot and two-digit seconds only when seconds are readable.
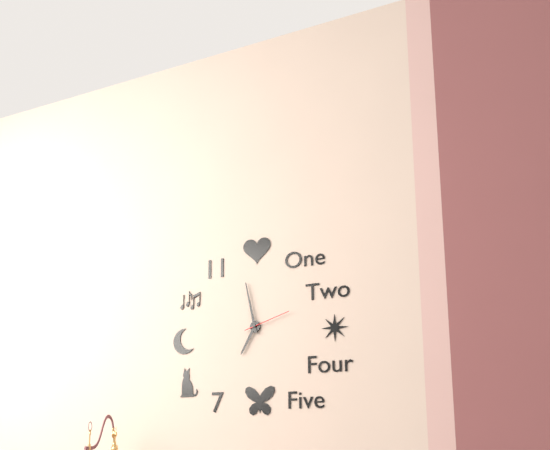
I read 6.58
